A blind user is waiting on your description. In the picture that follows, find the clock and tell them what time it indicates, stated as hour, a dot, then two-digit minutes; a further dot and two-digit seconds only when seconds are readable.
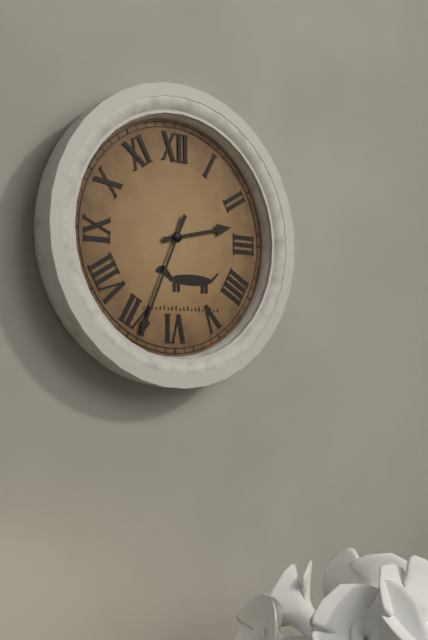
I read 2.34
